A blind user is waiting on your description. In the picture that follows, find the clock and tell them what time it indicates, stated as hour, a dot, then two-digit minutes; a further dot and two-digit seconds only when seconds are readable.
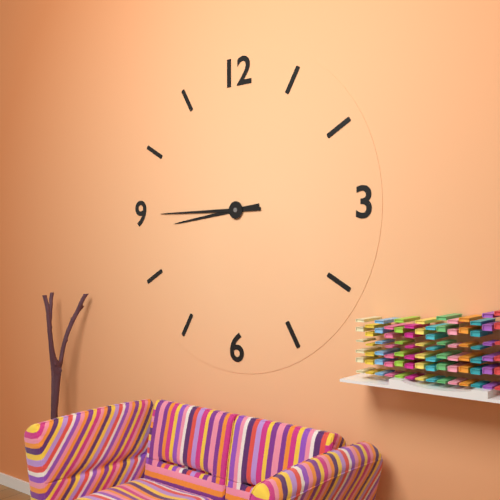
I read 8.45
